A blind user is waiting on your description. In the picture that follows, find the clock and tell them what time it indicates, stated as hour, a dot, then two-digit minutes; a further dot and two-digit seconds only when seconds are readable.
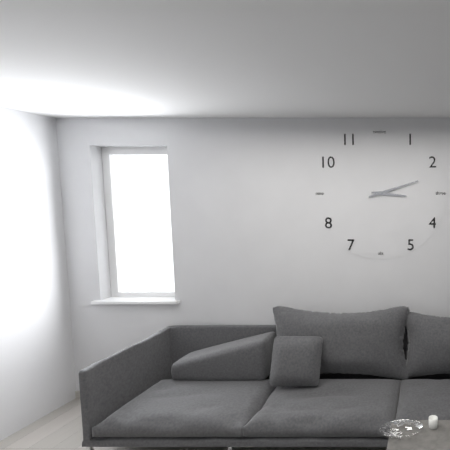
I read 3.12
